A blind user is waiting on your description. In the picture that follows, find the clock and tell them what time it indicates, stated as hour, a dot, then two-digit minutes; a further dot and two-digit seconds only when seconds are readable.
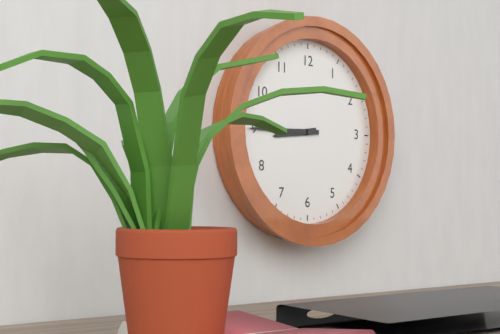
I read 8.45
